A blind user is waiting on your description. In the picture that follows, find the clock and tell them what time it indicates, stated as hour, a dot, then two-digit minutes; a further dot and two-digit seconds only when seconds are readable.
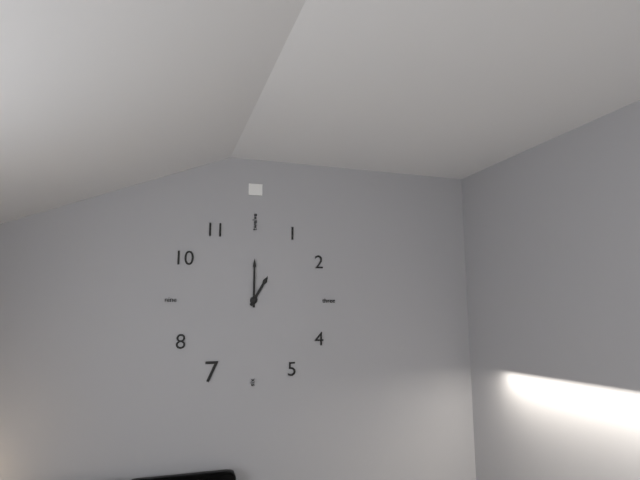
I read 1.00
